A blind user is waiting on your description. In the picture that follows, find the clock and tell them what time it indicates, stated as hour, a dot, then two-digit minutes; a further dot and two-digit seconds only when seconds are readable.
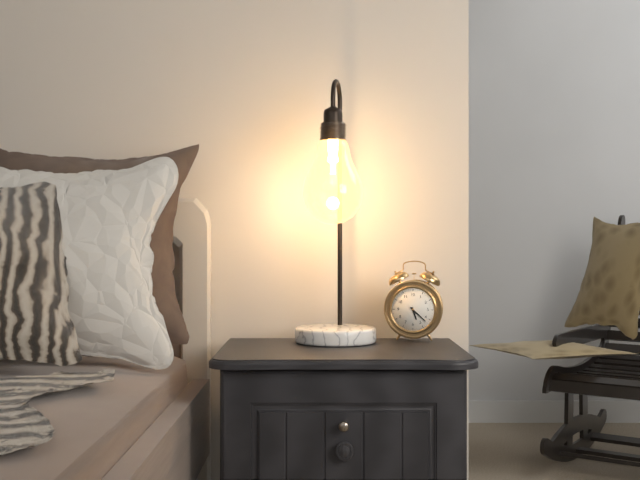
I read 5.22
